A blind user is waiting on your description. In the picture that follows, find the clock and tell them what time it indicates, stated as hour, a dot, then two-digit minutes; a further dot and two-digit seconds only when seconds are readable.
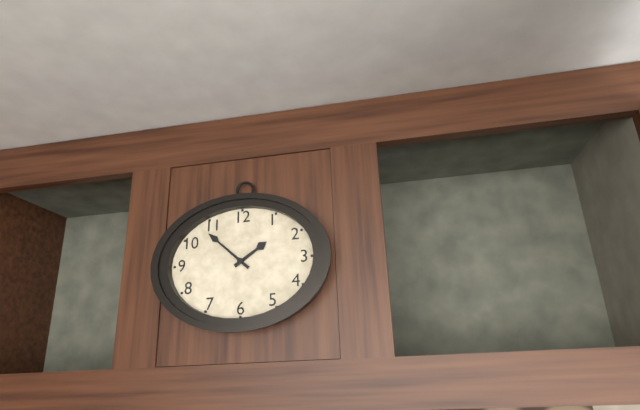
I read 1.52
